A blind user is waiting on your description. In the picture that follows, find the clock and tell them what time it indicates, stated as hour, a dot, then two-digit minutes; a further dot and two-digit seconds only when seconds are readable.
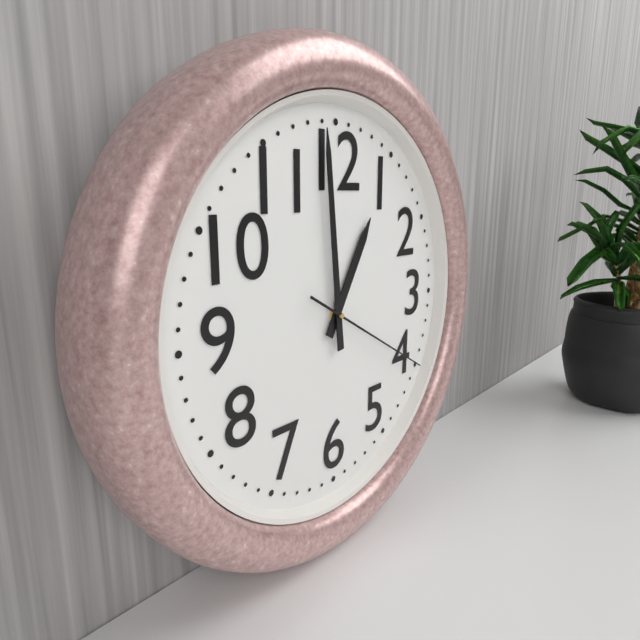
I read 12.59.20
